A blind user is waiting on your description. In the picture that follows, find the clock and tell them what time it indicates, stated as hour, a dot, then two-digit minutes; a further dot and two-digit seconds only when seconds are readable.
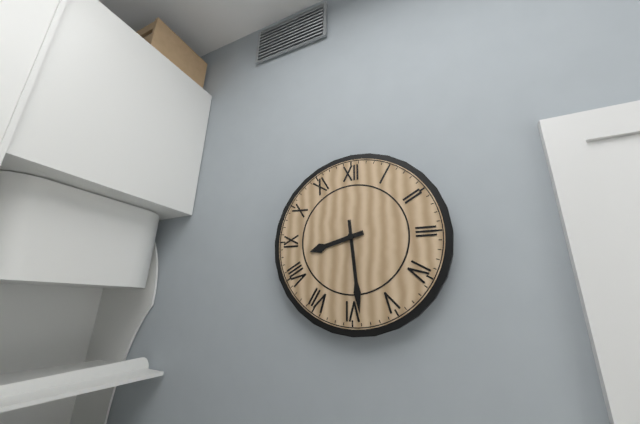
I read 8.29
